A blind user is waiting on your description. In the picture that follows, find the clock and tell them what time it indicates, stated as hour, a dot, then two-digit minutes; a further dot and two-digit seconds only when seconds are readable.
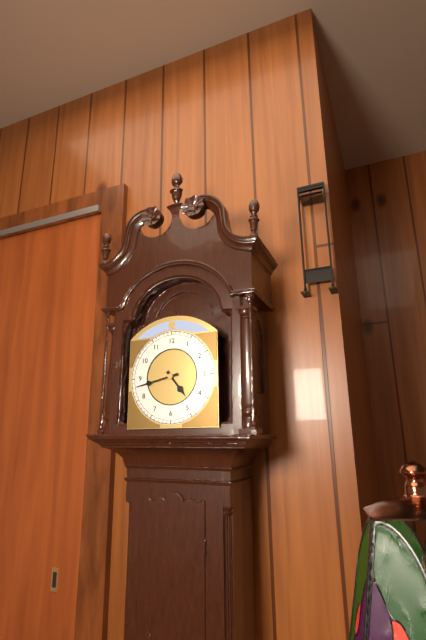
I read 4.43
